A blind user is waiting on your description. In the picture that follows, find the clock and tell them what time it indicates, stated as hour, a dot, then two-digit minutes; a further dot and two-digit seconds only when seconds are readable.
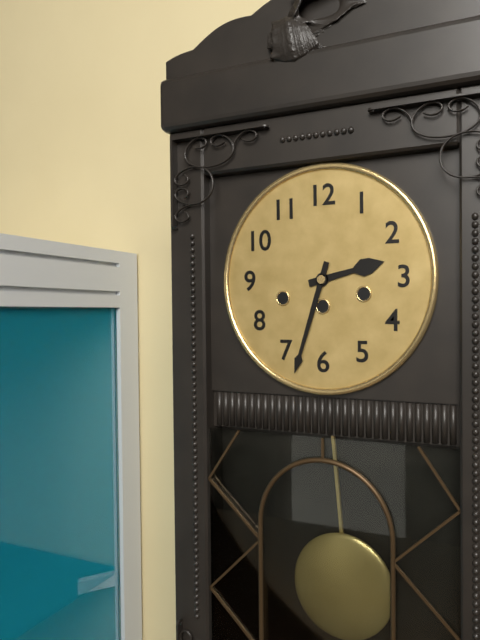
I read 2.33
